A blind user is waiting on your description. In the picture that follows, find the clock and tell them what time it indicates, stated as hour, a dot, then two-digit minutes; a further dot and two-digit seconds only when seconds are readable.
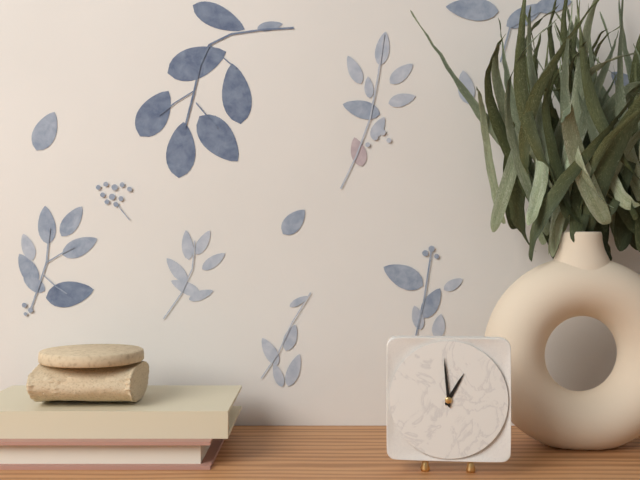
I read 12.59
